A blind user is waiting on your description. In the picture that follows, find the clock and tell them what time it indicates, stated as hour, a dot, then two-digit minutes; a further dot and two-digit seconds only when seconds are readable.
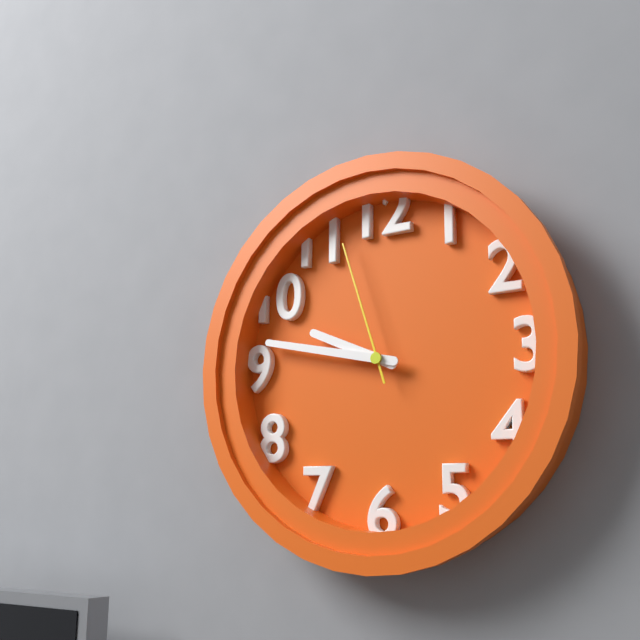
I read 9.47.57
